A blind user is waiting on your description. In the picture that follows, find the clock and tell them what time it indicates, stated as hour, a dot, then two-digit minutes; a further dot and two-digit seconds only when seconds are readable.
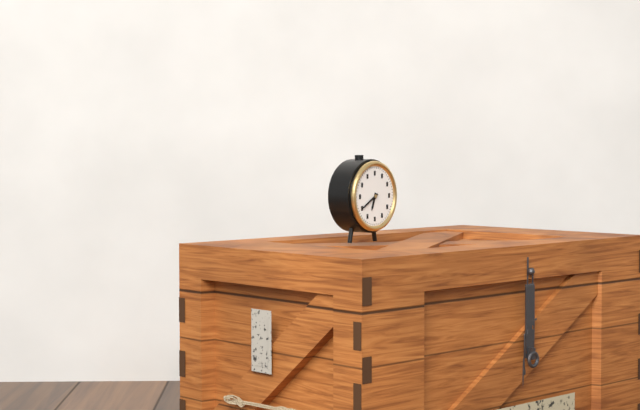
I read 6.40
